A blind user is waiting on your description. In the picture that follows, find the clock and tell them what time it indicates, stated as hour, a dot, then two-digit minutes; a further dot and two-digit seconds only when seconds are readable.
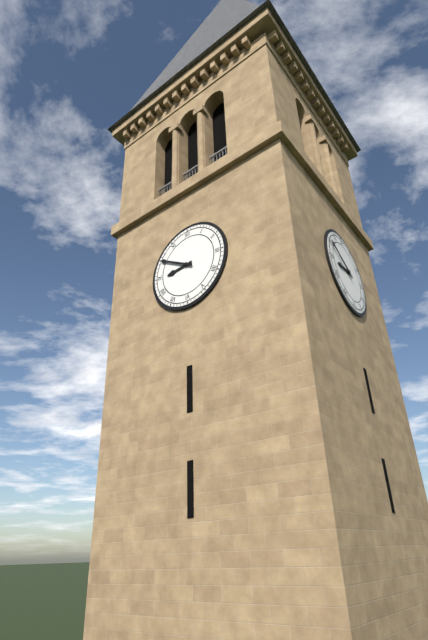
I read 8.50
